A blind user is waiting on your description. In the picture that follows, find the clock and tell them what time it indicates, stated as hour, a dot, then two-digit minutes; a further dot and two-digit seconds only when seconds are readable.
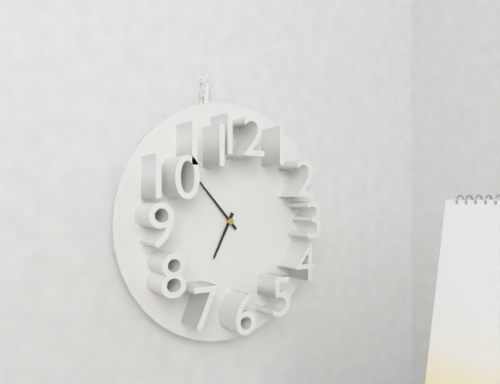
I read 6.53
